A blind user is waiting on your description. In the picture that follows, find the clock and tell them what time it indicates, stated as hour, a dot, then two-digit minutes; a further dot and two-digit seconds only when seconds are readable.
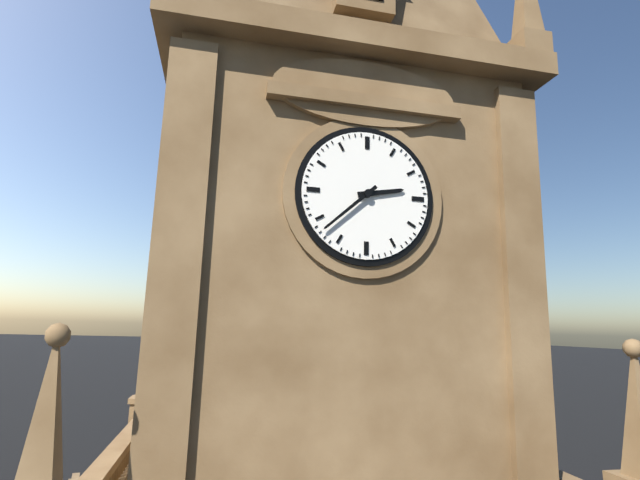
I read 2.38
